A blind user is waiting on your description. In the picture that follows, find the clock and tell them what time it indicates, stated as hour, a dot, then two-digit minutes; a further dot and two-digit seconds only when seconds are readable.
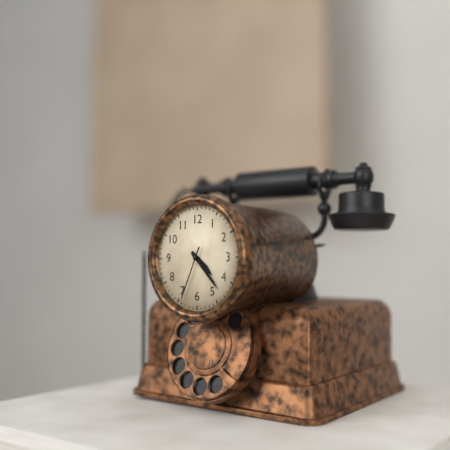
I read 4.23.34
